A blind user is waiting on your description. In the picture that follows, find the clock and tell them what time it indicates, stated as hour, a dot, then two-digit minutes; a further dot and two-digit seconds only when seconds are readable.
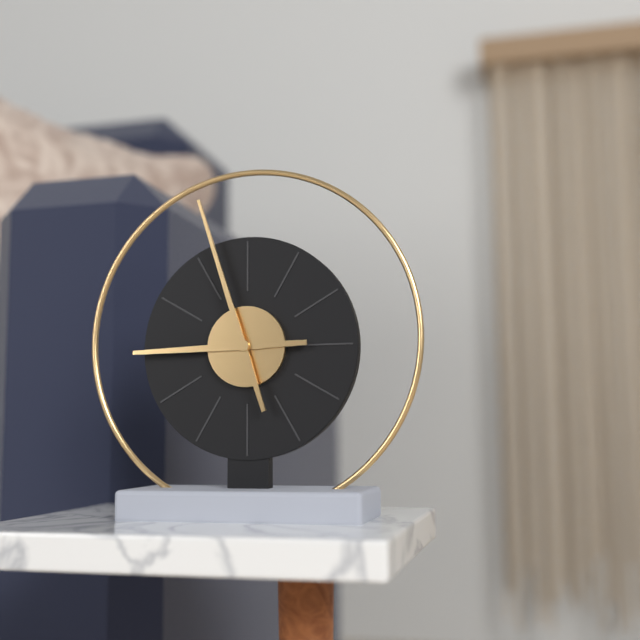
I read 8.57
